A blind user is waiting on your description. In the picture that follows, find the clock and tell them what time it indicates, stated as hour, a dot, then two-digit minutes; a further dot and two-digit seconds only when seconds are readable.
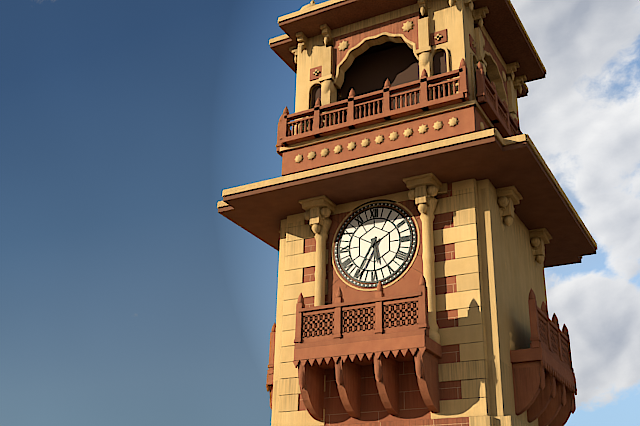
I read 5.35
